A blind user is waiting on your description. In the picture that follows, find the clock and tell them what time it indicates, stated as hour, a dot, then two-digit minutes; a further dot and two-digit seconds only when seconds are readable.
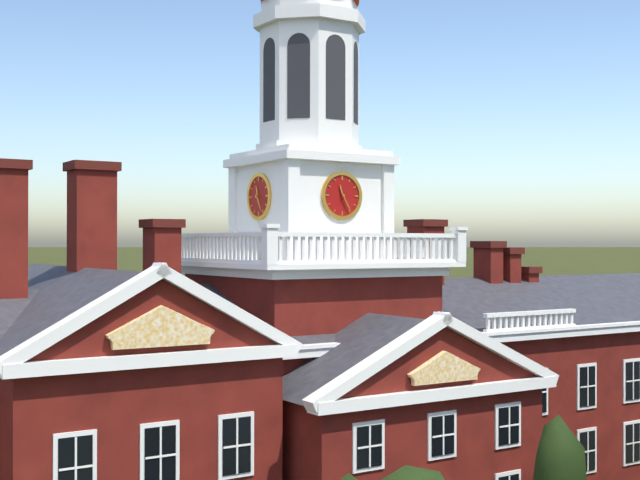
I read 11.25
